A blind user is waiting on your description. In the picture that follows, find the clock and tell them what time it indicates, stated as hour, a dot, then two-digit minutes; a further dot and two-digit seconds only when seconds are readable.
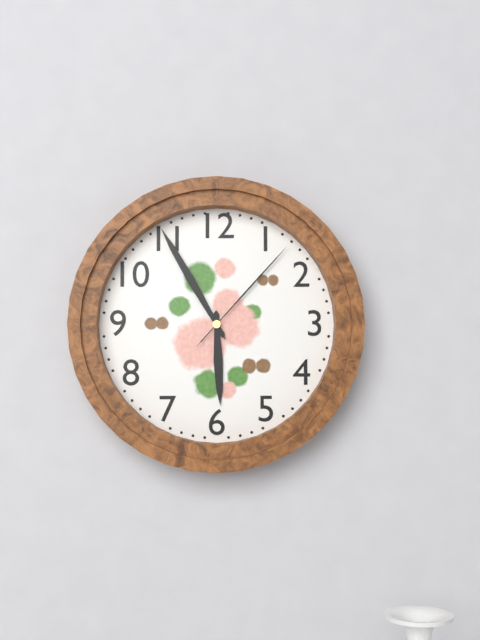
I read 5.55.07
